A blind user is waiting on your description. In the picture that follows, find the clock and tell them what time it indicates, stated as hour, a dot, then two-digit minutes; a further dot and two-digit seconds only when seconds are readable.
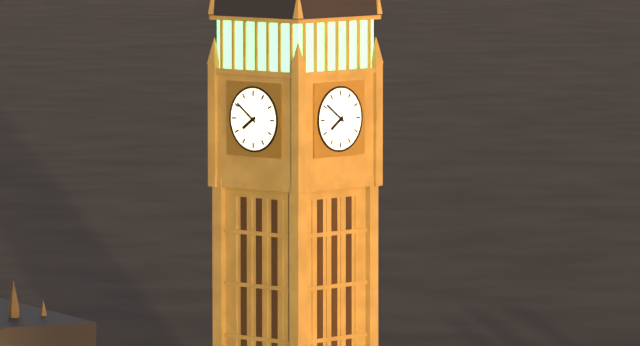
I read 7.51
